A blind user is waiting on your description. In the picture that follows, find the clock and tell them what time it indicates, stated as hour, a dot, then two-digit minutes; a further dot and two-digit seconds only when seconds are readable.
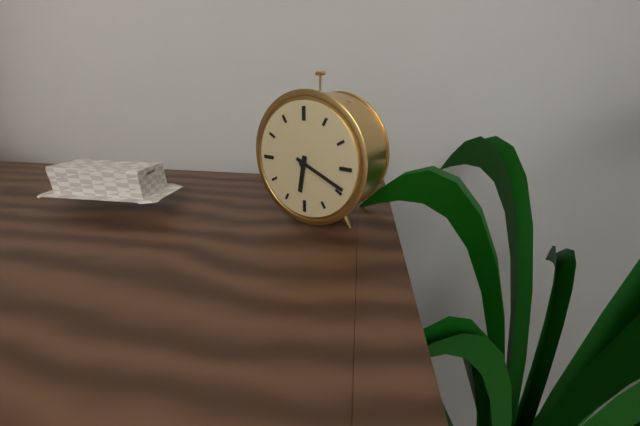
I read 6.19
